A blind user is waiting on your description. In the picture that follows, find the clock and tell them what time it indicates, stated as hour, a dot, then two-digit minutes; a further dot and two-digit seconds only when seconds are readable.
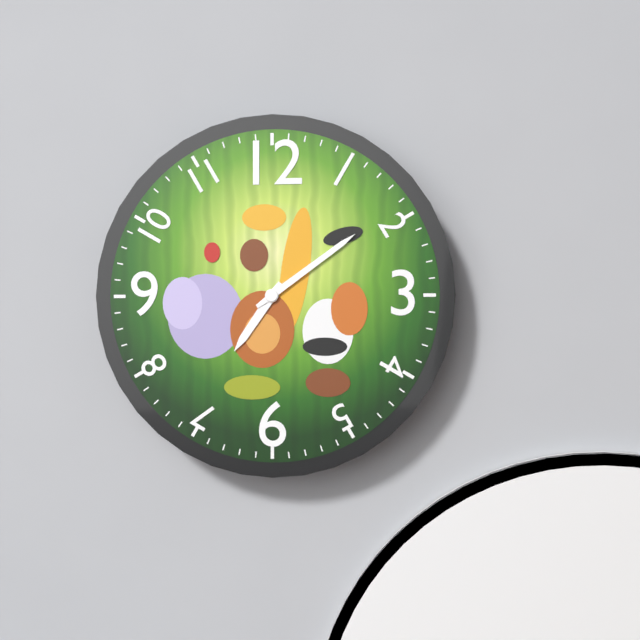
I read 7.09
